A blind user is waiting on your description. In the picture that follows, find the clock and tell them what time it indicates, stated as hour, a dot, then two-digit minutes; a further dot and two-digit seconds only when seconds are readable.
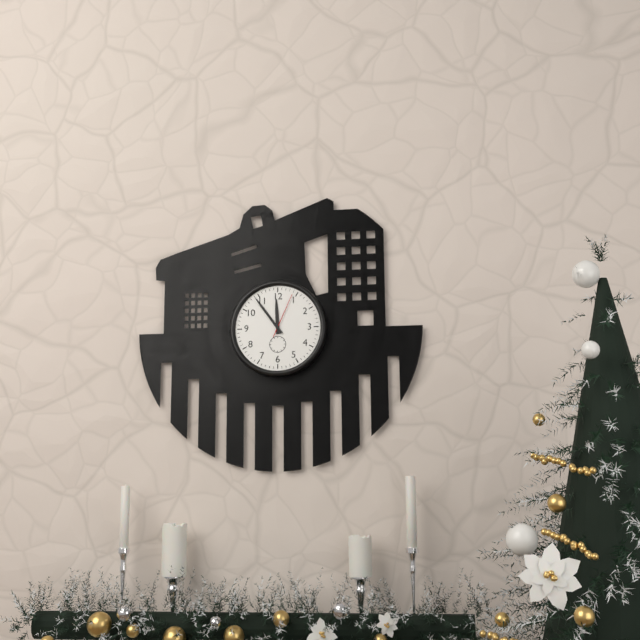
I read 11.54
